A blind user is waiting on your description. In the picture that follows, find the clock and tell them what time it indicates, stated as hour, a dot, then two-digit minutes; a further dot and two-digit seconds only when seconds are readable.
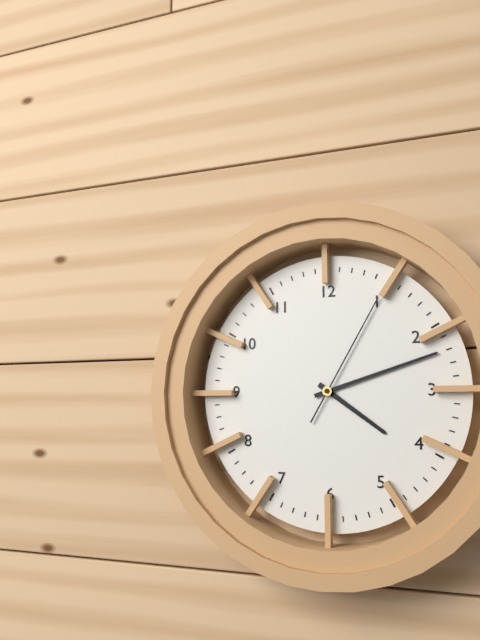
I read 4.12.05
